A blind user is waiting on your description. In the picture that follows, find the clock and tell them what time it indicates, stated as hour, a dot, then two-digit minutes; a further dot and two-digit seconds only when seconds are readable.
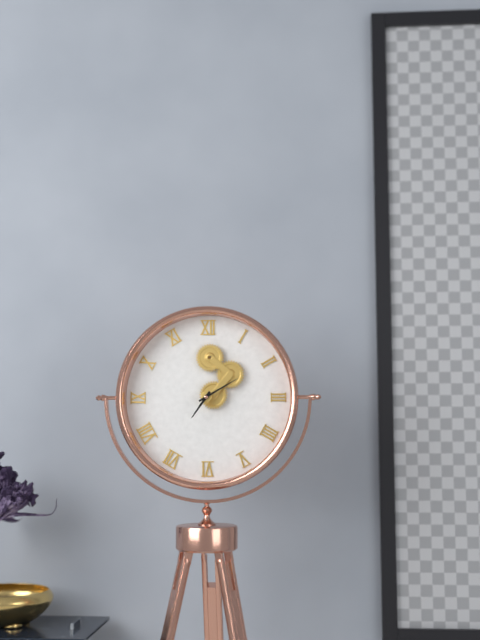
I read 7.10
